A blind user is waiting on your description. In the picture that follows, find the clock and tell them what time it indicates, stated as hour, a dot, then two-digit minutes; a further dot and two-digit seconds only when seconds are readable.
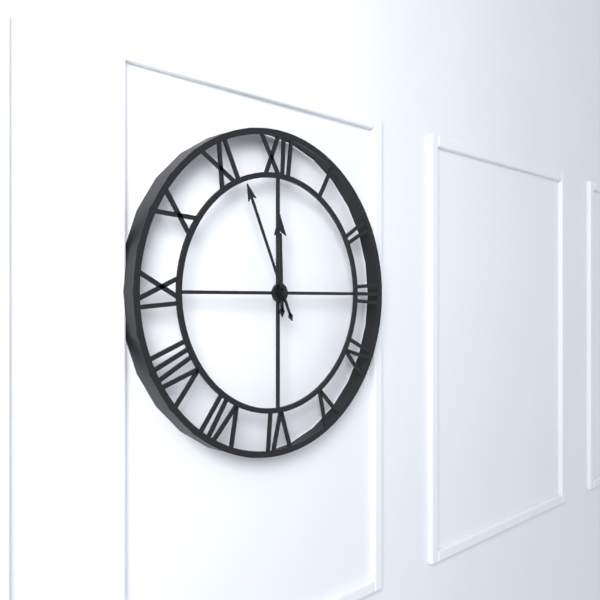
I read 11.56
